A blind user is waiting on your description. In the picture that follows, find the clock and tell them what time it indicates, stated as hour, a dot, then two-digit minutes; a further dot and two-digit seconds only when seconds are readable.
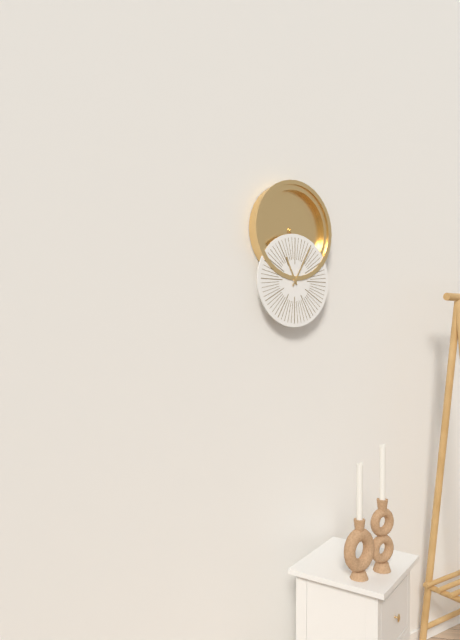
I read 11.05
